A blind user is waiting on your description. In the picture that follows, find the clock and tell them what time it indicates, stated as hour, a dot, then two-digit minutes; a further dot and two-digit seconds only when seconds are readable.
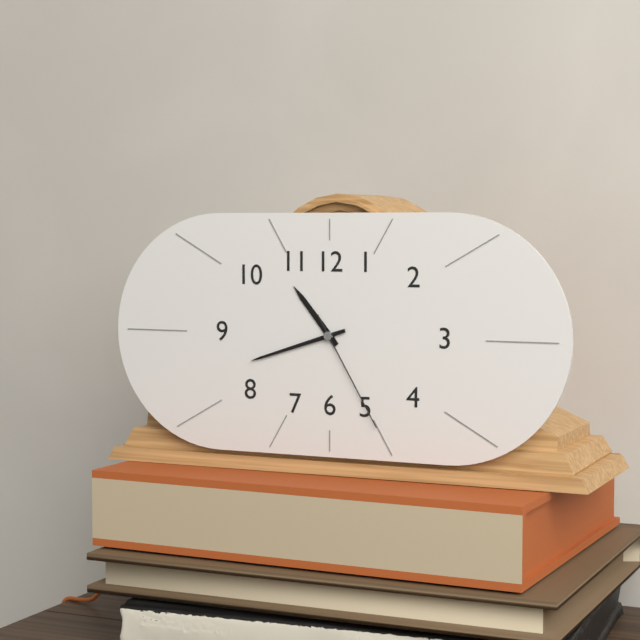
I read 10.42.25
